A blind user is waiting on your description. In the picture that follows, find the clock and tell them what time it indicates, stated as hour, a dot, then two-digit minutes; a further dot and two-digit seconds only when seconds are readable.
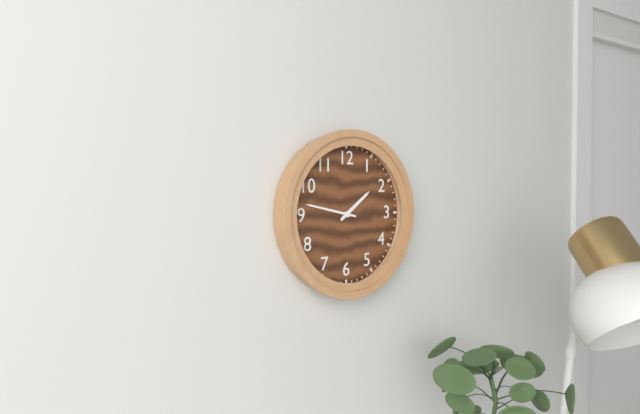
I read 1.47
